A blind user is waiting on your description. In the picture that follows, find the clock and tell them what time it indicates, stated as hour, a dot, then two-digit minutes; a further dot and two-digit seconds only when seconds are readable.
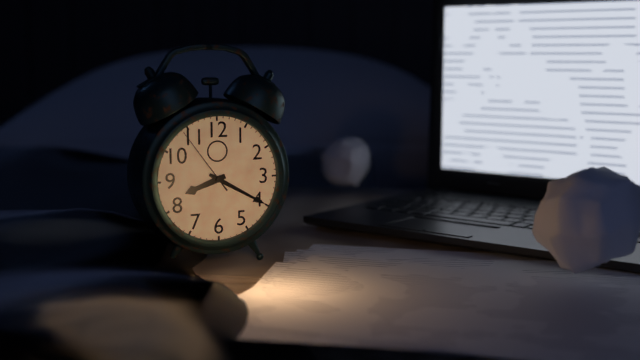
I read 8.20.54
